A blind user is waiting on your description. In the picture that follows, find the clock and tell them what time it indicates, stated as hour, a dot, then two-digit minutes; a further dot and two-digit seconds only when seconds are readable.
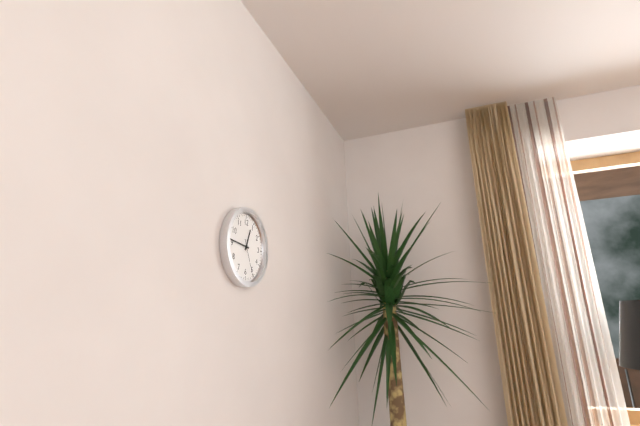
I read 12.46
